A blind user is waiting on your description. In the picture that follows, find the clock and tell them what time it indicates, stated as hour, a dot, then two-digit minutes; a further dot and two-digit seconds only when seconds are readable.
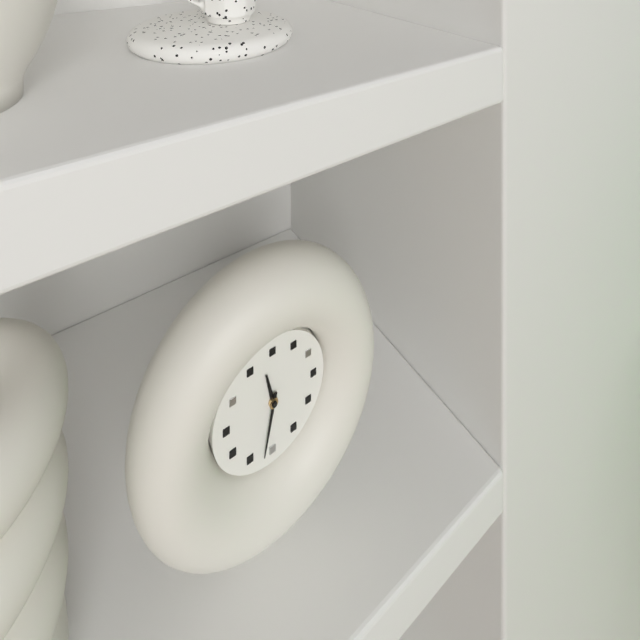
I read 11.32
